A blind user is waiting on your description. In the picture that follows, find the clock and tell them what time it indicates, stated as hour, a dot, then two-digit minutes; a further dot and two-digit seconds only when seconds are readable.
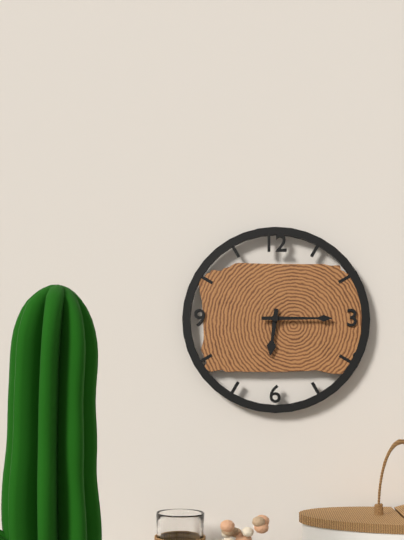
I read 6.15
